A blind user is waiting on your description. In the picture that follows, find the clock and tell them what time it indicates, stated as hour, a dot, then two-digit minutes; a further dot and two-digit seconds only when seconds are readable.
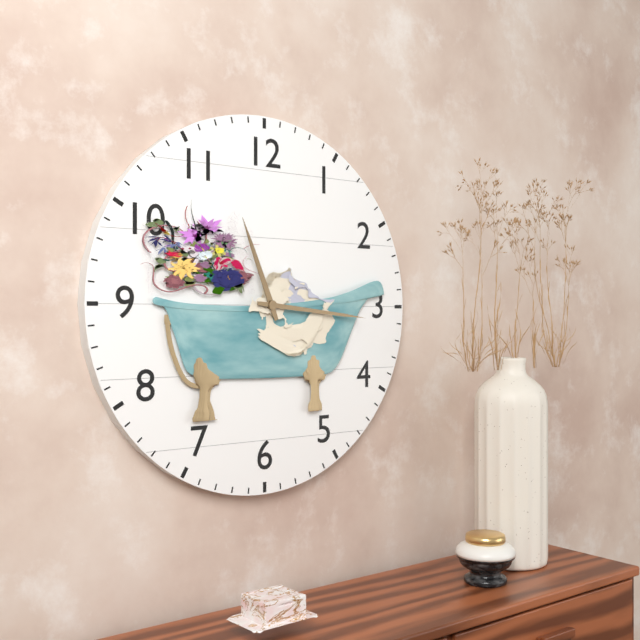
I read 11.16
